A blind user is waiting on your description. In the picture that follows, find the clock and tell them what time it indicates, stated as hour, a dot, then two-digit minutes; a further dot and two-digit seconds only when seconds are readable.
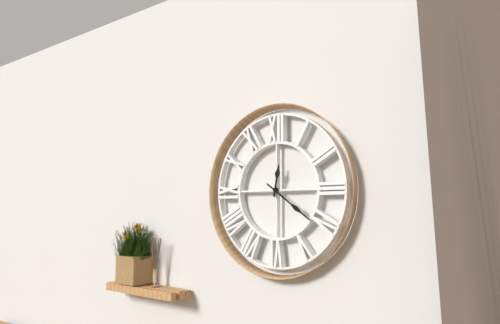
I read 12.21
